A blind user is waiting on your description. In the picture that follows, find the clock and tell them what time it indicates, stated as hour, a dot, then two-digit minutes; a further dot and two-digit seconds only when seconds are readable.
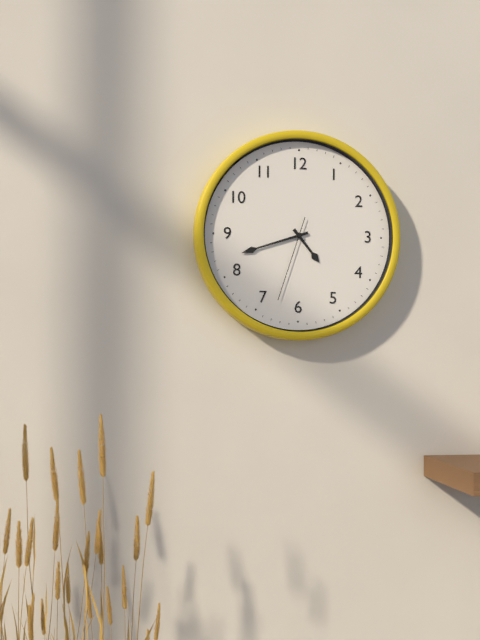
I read 4.42.33
